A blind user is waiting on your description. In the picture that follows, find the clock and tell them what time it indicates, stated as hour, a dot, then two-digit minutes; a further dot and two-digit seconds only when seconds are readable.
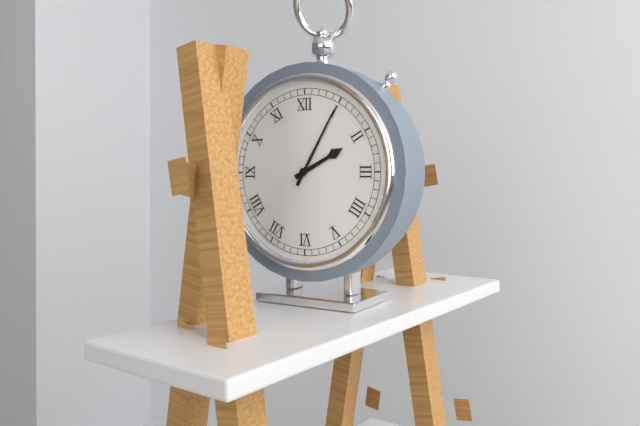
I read 2.05
